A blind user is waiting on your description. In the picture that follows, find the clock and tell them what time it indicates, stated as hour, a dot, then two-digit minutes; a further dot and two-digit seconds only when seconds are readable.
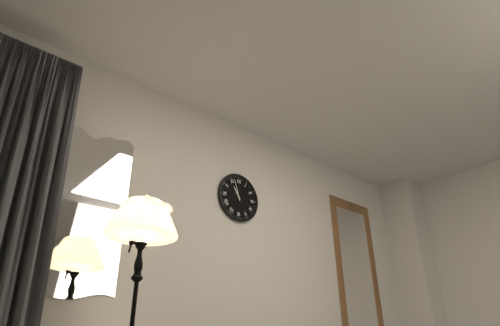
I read 10.57
